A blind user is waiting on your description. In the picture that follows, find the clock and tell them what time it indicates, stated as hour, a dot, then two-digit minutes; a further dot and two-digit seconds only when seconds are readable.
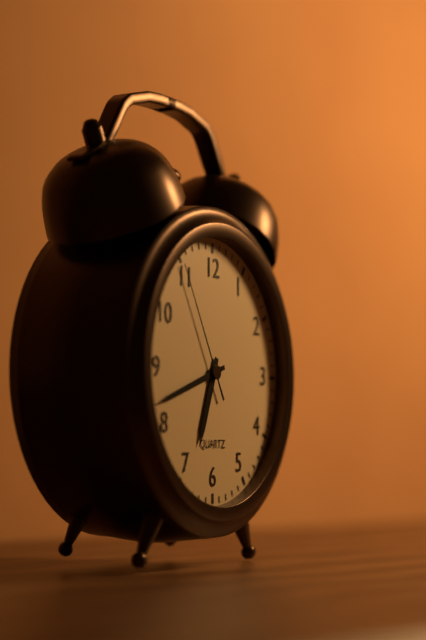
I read 6.42.55
